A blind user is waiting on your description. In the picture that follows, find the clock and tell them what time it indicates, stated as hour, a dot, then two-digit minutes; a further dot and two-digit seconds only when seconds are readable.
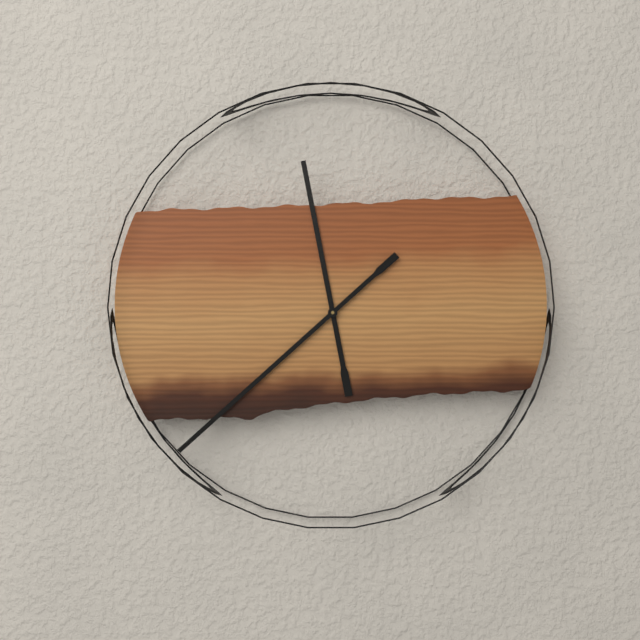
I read 11.38
